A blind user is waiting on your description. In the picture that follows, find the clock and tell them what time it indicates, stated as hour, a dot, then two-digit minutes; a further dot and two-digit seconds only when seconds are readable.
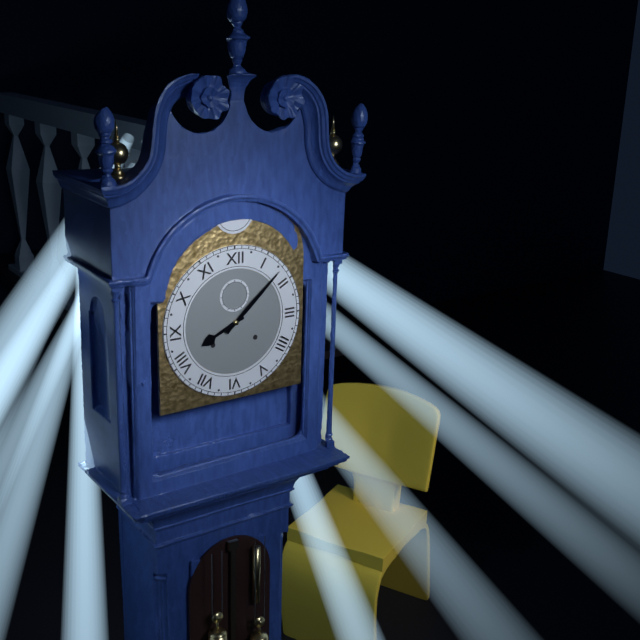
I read 8.08
